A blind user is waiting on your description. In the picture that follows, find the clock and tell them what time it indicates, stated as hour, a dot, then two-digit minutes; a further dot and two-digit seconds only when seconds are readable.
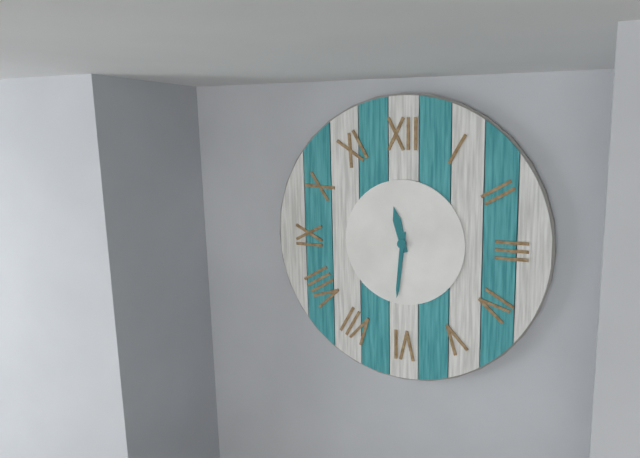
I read 11.31
